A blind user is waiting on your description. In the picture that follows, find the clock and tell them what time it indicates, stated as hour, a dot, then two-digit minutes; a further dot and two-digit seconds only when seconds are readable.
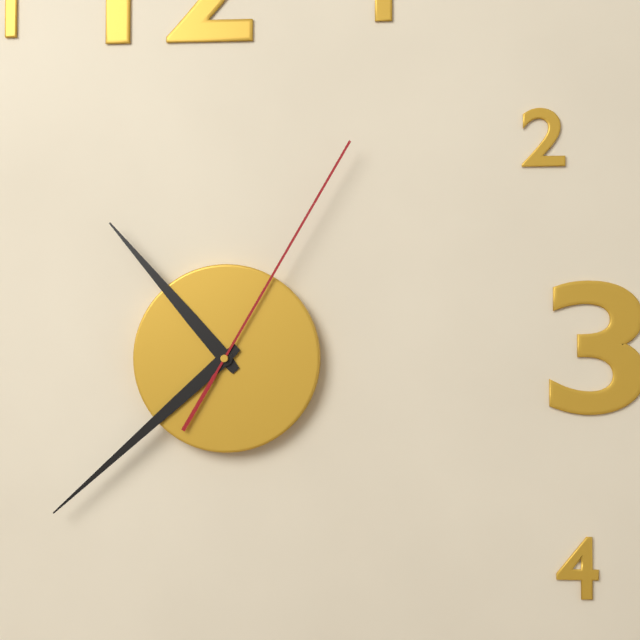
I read 10.38.05
